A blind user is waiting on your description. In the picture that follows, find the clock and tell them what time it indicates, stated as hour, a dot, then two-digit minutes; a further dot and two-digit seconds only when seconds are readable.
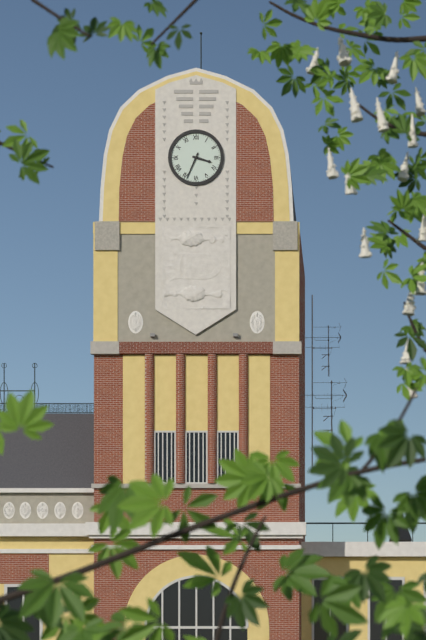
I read 3.34
